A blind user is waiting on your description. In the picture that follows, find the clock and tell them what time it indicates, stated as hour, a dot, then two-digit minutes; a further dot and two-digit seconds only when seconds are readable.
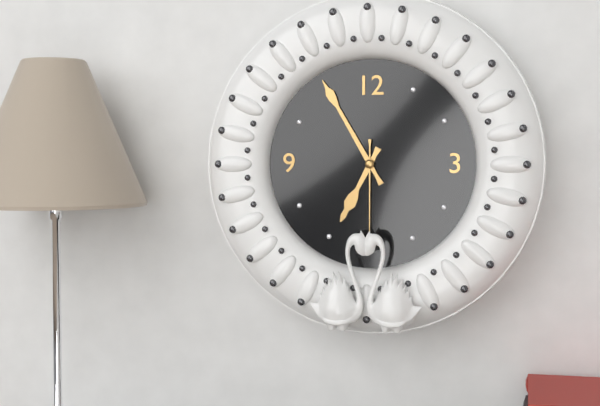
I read 6.55.30
